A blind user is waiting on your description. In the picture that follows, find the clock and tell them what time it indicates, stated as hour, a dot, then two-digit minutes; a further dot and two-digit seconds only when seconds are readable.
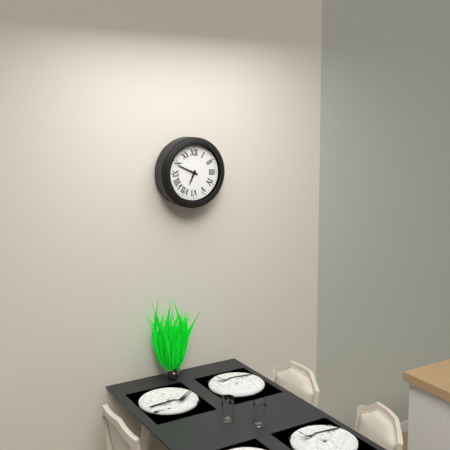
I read 6.49
